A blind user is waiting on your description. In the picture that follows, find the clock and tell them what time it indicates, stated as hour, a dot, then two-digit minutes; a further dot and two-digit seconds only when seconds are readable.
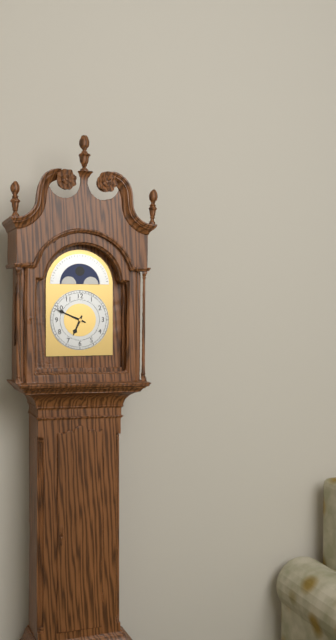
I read 6.49
